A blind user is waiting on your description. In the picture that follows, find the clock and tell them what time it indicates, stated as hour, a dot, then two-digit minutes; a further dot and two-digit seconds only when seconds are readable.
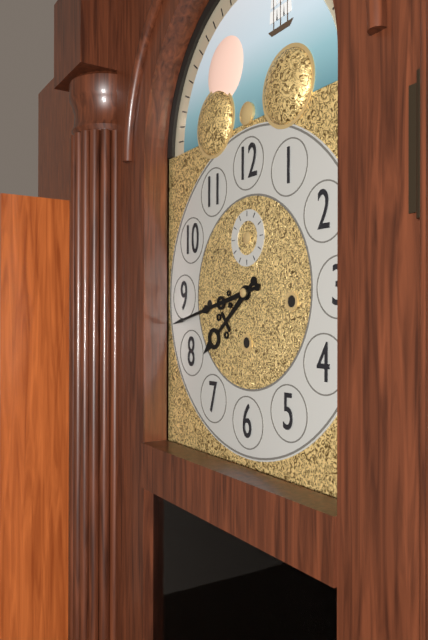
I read 7.43
